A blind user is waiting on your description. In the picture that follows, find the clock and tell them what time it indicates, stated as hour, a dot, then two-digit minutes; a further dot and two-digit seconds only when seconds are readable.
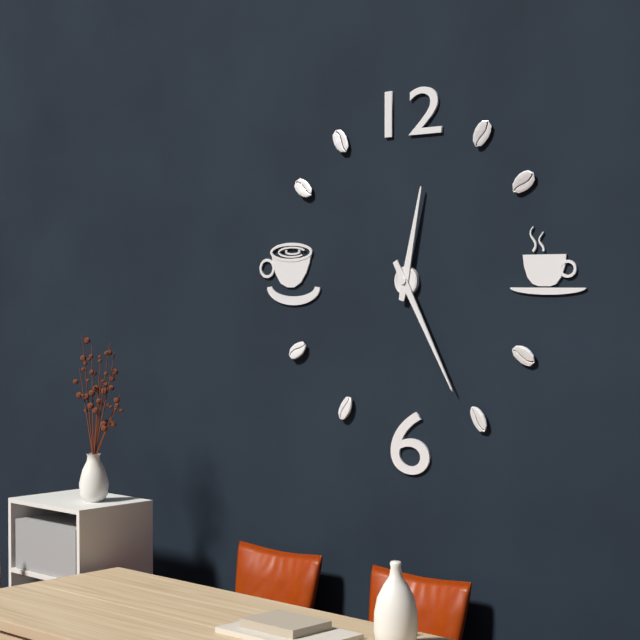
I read 12.25
